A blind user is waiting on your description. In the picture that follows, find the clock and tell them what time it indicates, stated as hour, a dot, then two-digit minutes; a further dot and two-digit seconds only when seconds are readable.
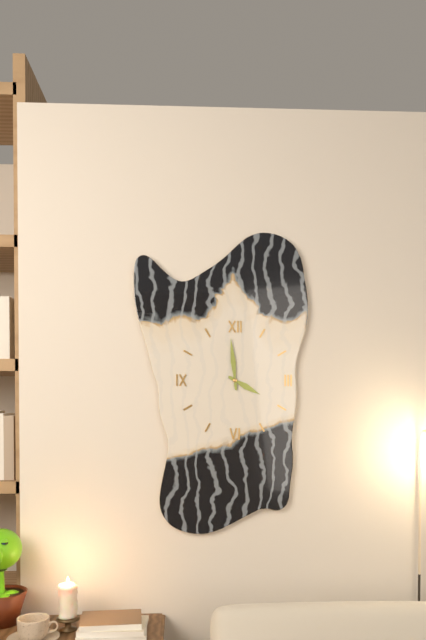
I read 3.59
